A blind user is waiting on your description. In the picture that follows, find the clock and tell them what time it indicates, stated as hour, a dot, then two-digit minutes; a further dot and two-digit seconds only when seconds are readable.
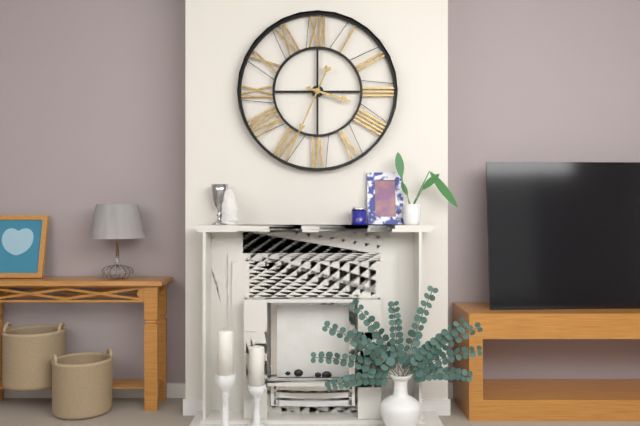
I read 3.34
